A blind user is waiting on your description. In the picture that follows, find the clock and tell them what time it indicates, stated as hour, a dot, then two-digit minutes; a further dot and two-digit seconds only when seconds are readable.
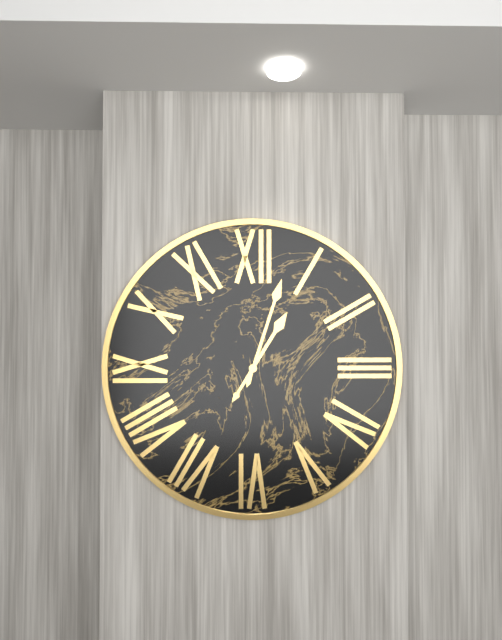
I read 1.03
